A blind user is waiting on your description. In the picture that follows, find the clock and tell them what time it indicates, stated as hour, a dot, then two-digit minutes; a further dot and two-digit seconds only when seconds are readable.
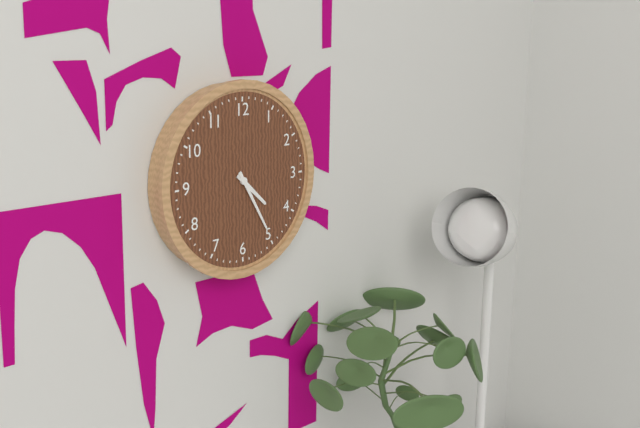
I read 4.25
